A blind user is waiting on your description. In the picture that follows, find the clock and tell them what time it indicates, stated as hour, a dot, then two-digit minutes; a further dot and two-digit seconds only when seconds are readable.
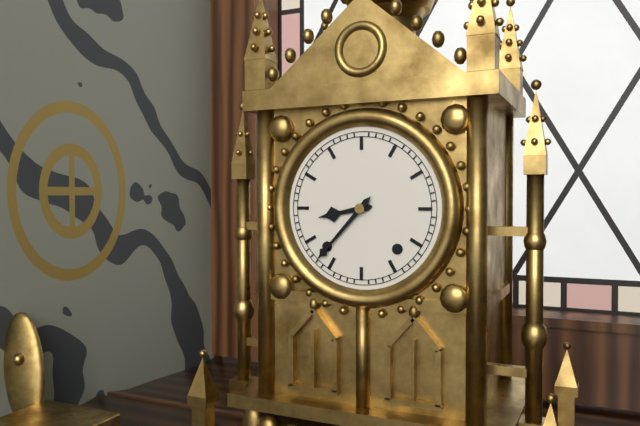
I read 8.37
